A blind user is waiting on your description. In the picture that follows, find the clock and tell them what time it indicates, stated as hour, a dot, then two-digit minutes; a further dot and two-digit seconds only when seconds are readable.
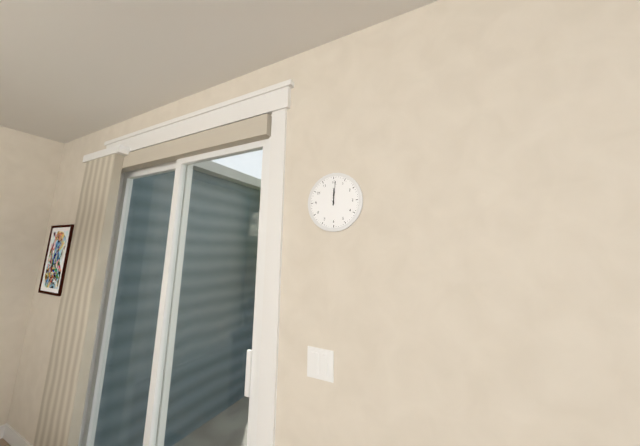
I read 12.01
